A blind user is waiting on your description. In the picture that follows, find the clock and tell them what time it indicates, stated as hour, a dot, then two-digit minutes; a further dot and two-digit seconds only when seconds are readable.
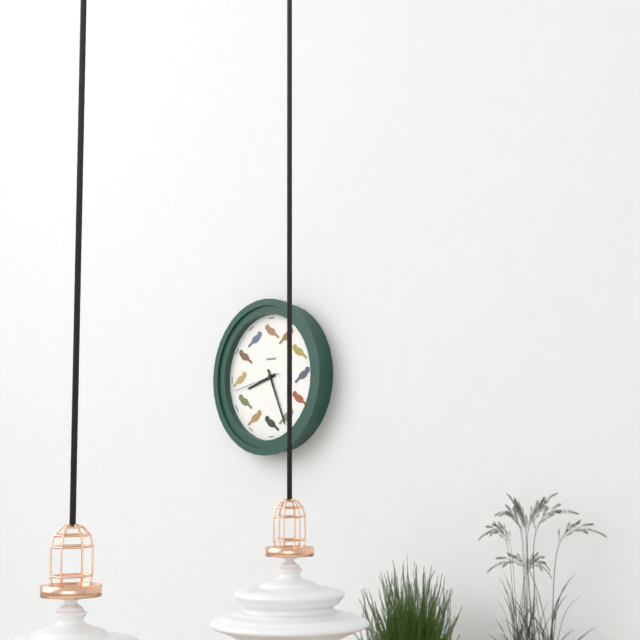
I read 8.26
